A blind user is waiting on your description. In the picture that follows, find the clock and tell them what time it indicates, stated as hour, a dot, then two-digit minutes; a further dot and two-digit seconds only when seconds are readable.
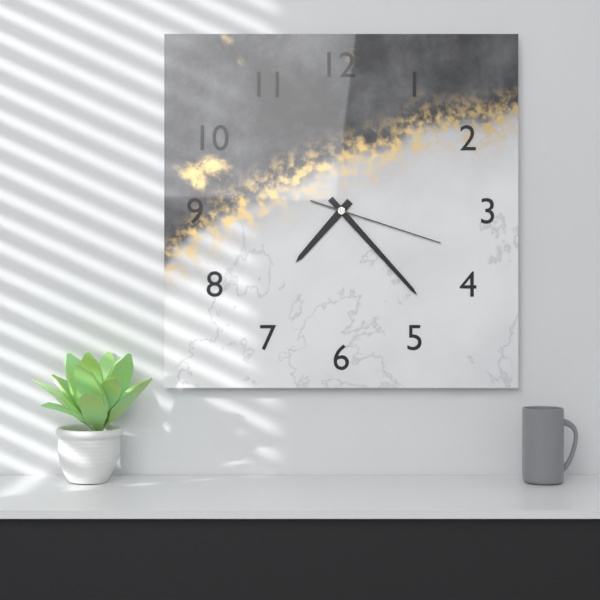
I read 7.23.18
